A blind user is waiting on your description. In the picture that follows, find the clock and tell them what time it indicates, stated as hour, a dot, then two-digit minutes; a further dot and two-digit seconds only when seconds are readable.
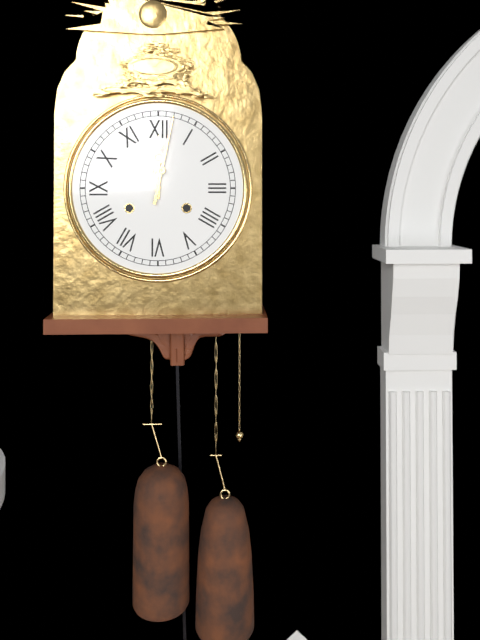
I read 12.02
